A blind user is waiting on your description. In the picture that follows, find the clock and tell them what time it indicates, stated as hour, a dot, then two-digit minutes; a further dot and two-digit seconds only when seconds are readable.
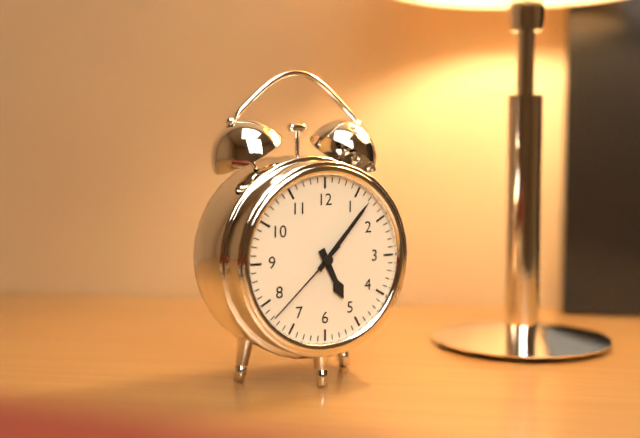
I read 5.07.38
